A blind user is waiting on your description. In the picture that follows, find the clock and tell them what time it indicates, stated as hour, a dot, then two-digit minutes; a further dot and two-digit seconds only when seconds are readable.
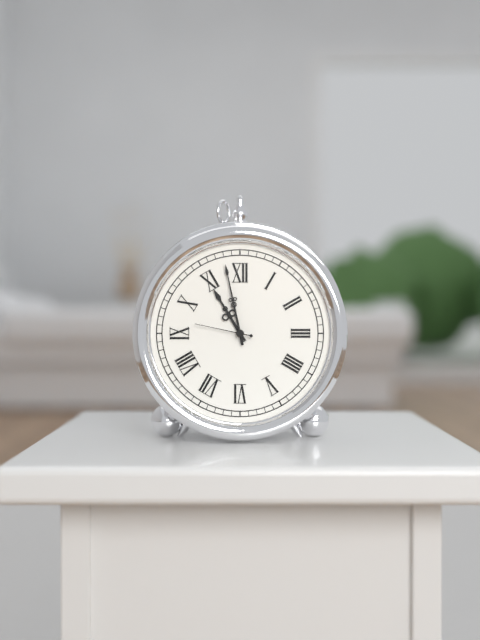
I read 10.58.47
